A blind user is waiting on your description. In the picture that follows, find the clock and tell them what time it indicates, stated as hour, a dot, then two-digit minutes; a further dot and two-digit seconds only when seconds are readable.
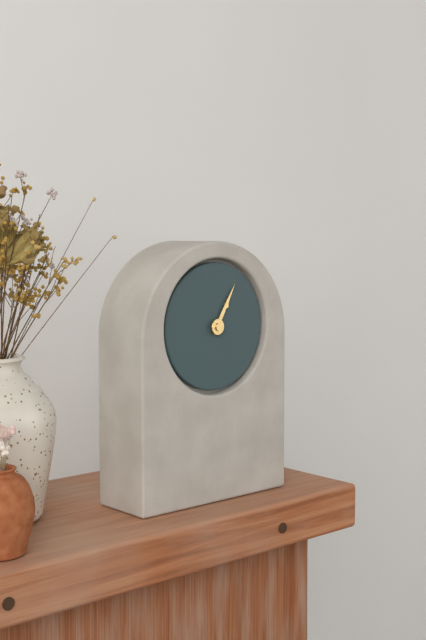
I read 1.05
